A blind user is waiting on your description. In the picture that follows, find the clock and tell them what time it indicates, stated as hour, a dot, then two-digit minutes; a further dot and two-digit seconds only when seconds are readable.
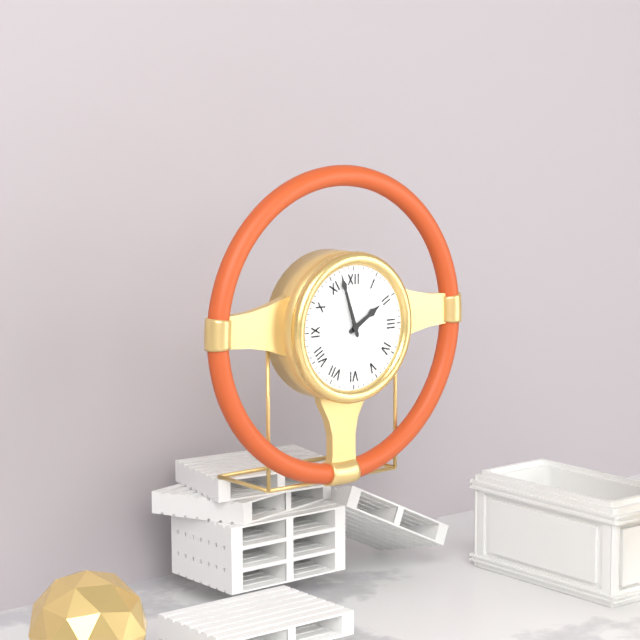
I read 1.57
